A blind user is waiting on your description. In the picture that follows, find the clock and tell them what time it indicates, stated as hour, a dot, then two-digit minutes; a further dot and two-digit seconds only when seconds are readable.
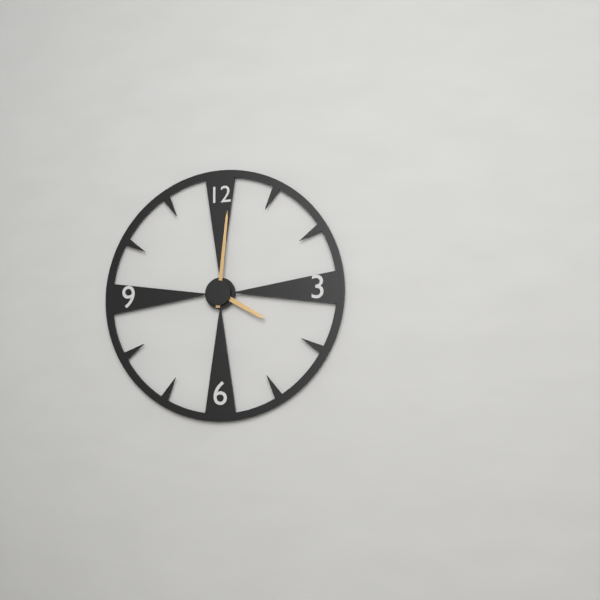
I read 4.01
